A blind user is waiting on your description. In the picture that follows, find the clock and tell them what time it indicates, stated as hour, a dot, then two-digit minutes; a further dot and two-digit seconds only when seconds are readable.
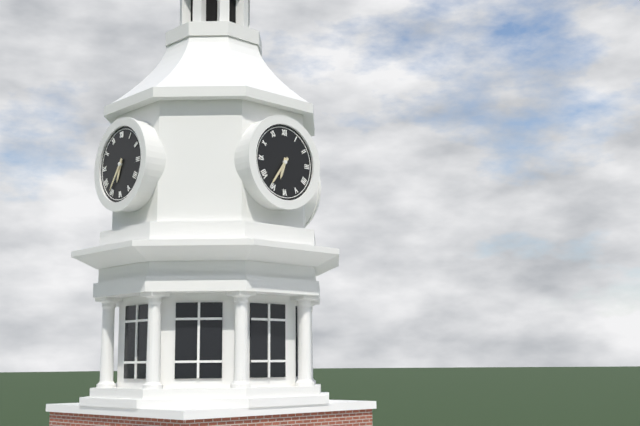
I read 6.36
